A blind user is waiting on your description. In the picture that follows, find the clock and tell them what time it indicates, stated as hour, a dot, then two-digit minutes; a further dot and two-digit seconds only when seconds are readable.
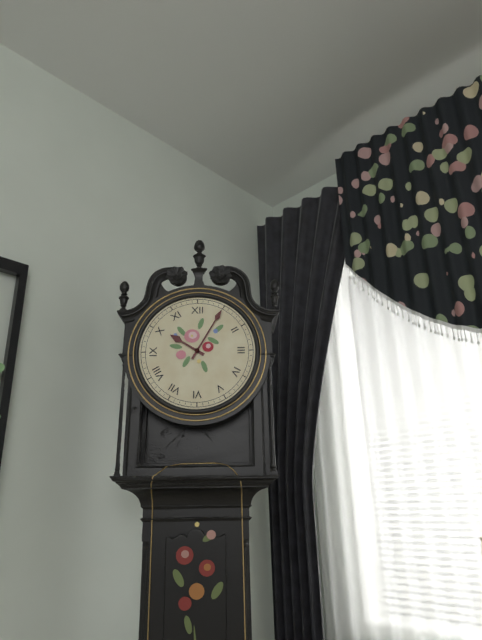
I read 10.05
